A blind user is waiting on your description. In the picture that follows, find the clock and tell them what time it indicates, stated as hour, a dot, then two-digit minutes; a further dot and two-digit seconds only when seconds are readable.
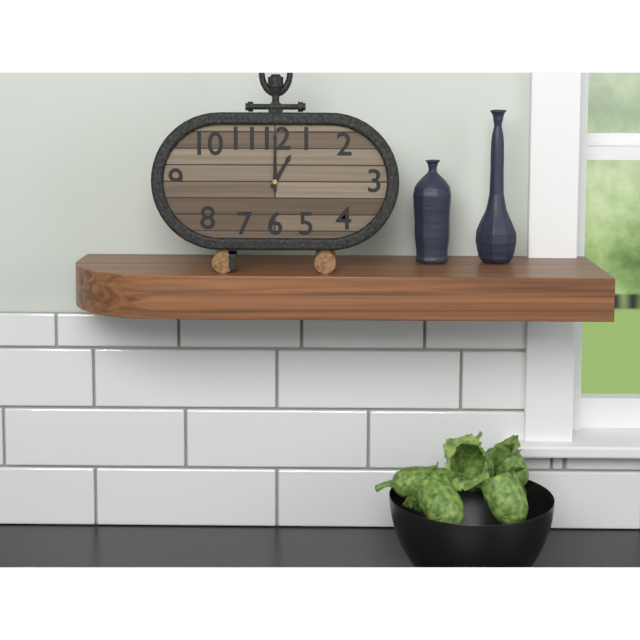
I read 1.00
